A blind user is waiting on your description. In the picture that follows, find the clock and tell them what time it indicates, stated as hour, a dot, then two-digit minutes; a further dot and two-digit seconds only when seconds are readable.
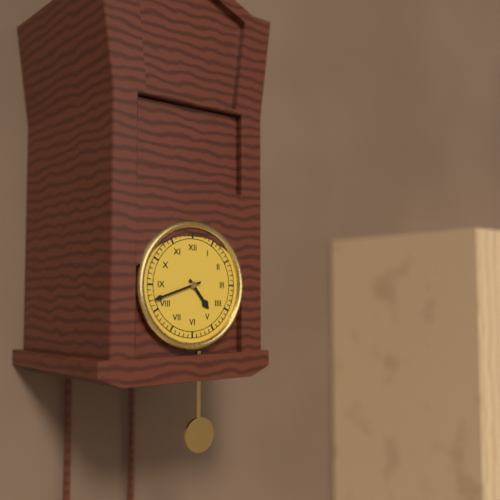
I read 4.42
